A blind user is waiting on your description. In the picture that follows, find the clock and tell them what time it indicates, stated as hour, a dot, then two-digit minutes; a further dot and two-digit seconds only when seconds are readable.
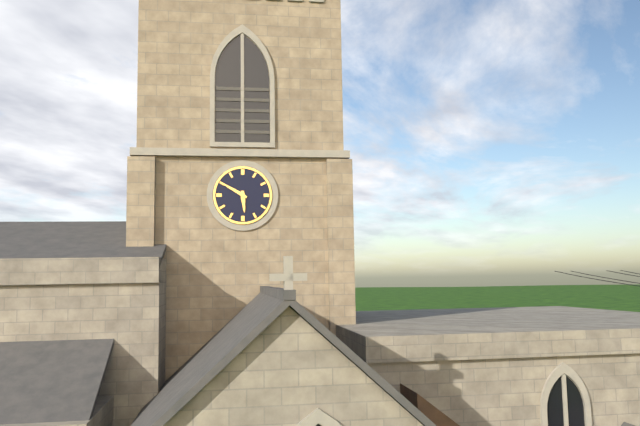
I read 5.50
